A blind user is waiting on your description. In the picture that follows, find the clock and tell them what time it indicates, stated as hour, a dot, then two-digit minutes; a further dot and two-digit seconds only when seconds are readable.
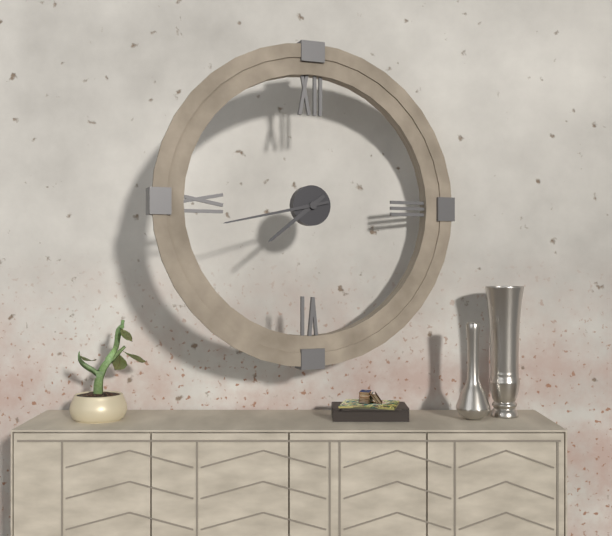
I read 7.43
